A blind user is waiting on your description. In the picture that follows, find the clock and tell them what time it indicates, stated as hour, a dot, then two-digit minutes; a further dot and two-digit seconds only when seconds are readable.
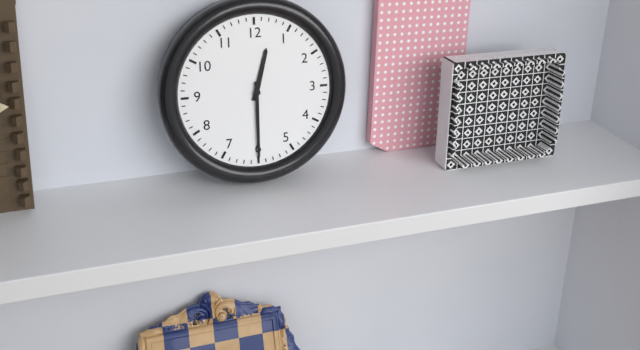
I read 12.30
